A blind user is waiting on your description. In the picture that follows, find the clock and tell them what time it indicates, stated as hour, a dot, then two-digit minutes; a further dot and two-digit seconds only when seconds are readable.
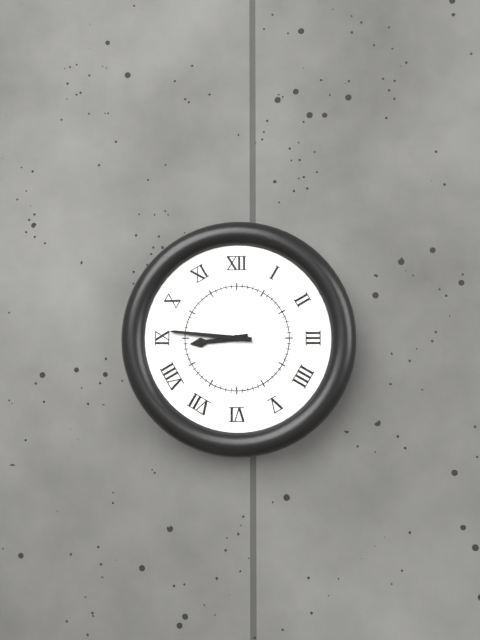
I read 8.46
